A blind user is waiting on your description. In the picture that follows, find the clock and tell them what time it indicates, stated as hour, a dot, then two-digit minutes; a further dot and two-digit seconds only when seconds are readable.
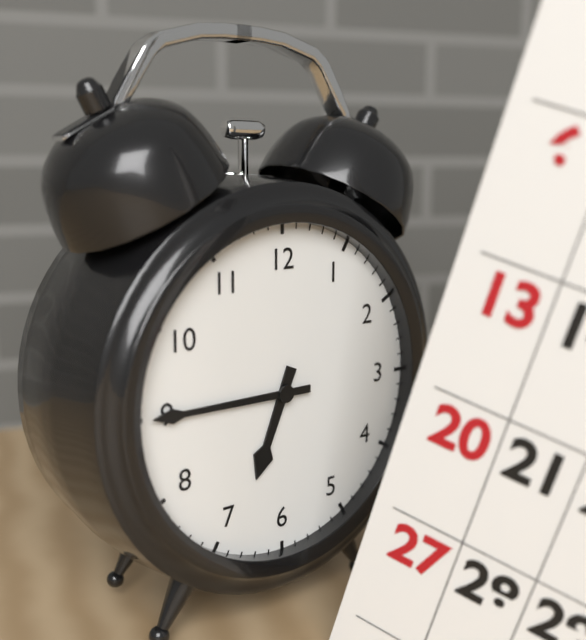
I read 6.45
